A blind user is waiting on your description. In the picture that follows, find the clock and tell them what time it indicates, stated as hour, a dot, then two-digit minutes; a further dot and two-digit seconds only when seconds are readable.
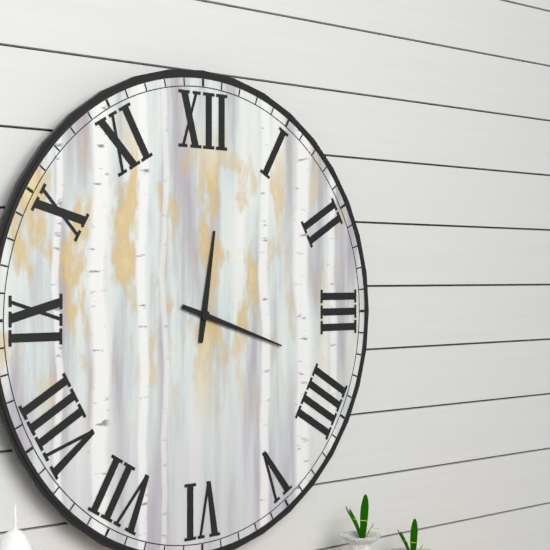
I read 12.18
